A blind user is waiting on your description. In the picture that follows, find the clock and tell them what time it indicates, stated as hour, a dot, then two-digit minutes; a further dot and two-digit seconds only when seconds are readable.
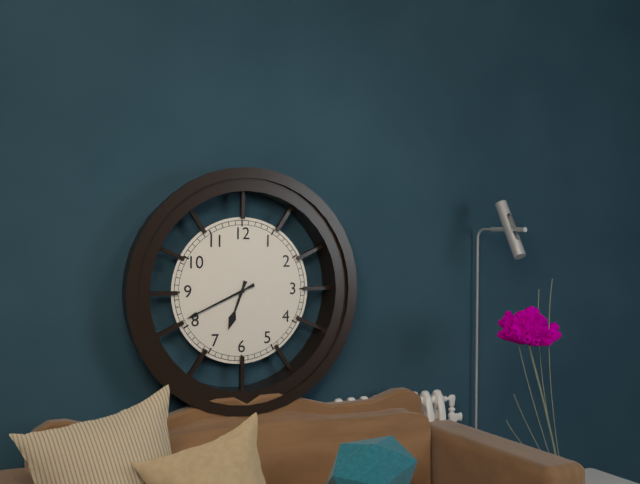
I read 6.41
